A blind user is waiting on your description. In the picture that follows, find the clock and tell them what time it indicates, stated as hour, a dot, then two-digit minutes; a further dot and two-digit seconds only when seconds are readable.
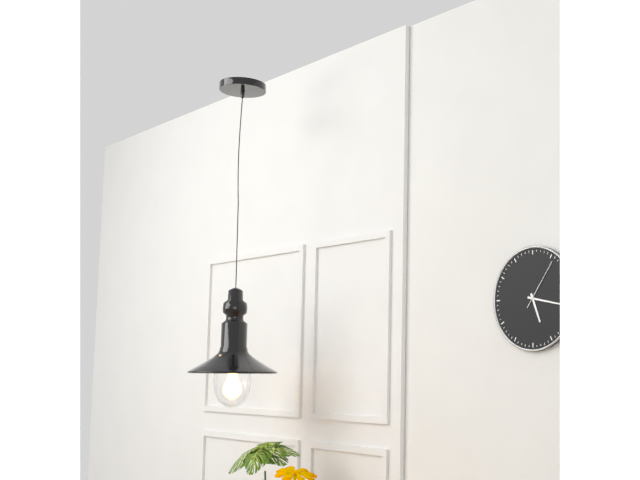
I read 5.17.06
